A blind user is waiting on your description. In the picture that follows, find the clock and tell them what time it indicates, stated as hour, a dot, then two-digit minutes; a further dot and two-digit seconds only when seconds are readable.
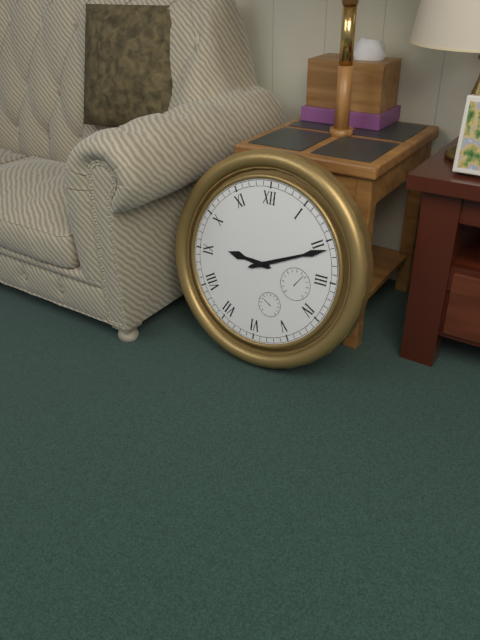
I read 9.11
